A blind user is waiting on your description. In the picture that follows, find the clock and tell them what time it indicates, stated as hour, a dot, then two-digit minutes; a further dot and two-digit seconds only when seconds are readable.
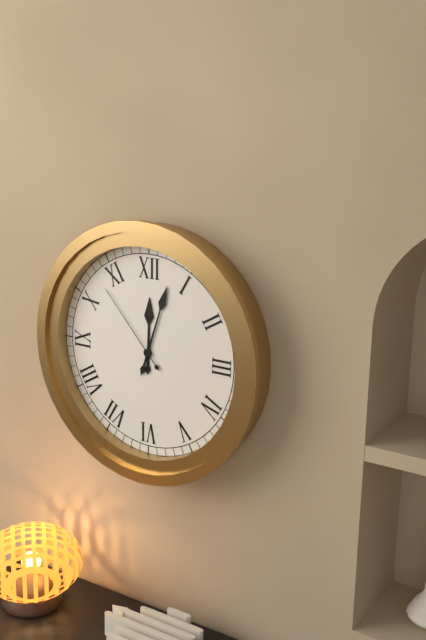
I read 12.03.53
